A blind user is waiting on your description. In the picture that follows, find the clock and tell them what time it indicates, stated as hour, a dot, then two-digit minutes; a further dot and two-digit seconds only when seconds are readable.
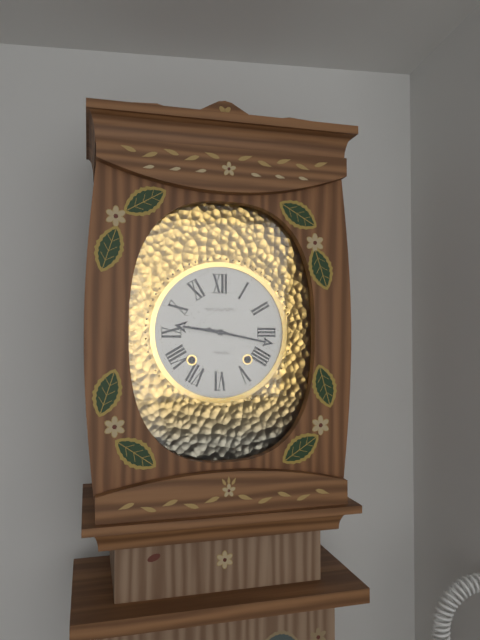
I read 9.17
